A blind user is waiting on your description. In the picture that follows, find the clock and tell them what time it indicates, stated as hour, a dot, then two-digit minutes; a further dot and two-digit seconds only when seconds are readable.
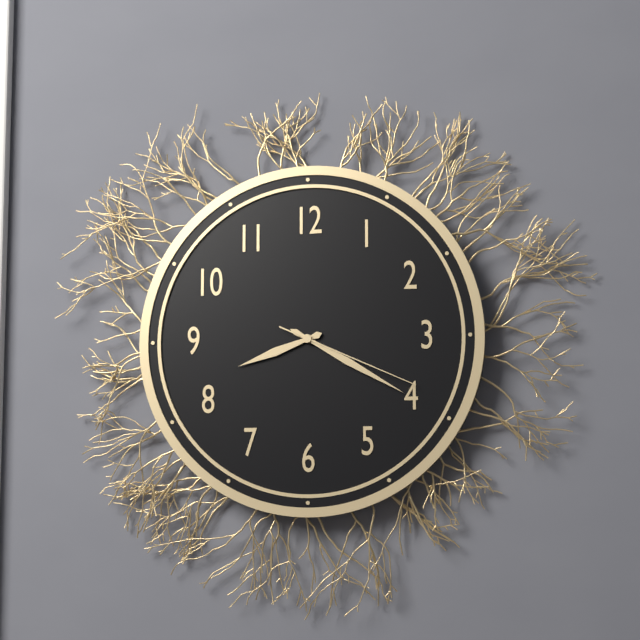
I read 8.20.19
